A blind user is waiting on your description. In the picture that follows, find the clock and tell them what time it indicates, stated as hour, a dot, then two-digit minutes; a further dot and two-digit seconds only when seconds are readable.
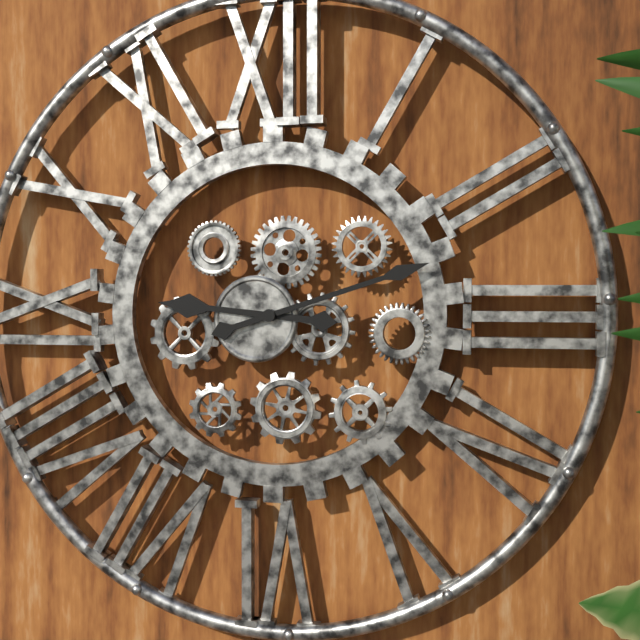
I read 9.12
